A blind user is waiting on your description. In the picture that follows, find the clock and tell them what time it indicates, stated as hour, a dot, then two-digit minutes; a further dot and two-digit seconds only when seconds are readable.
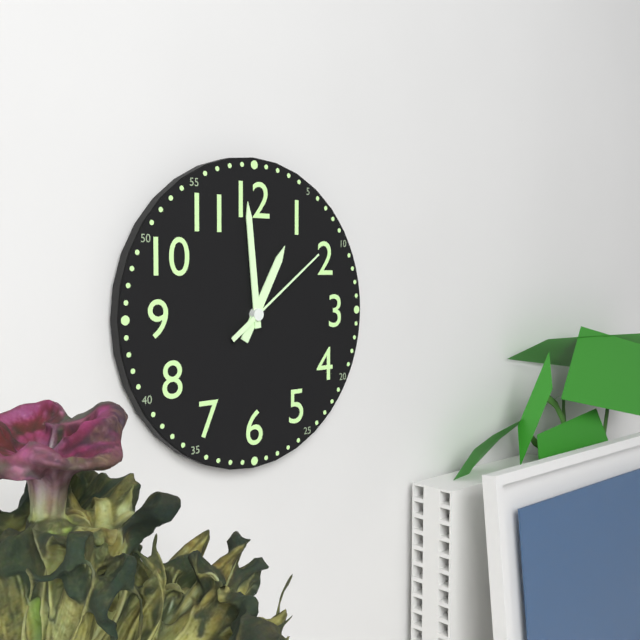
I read 12.59.09
